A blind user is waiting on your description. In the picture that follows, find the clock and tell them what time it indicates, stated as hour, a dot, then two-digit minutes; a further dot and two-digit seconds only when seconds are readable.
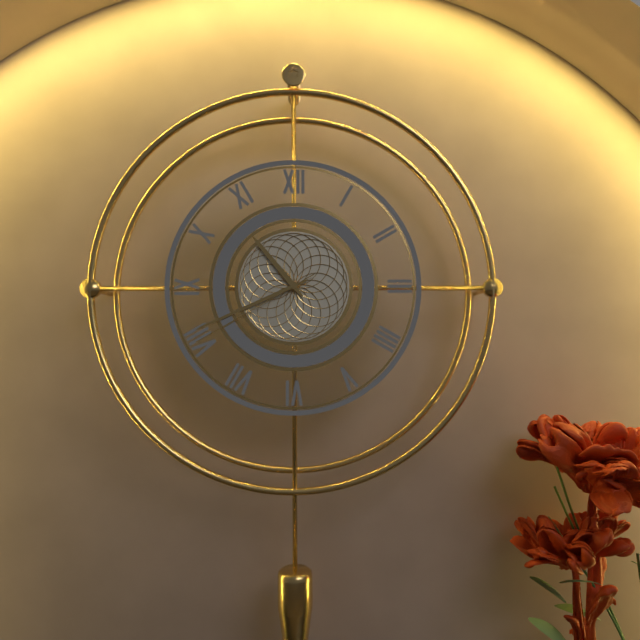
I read 10.41.40
